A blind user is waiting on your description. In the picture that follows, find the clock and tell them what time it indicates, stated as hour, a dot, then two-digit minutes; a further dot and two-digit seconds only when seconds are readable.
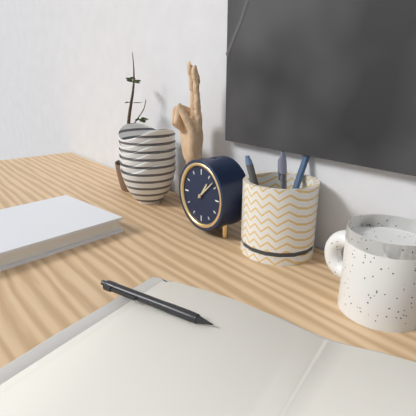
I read 1.08
